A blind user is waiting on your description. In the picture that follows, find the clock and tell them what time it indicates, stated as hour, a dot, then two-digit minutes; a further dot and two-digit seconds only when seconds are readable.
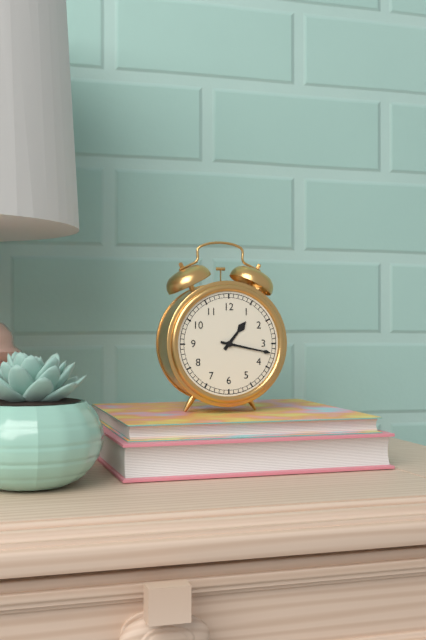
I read 1.17
